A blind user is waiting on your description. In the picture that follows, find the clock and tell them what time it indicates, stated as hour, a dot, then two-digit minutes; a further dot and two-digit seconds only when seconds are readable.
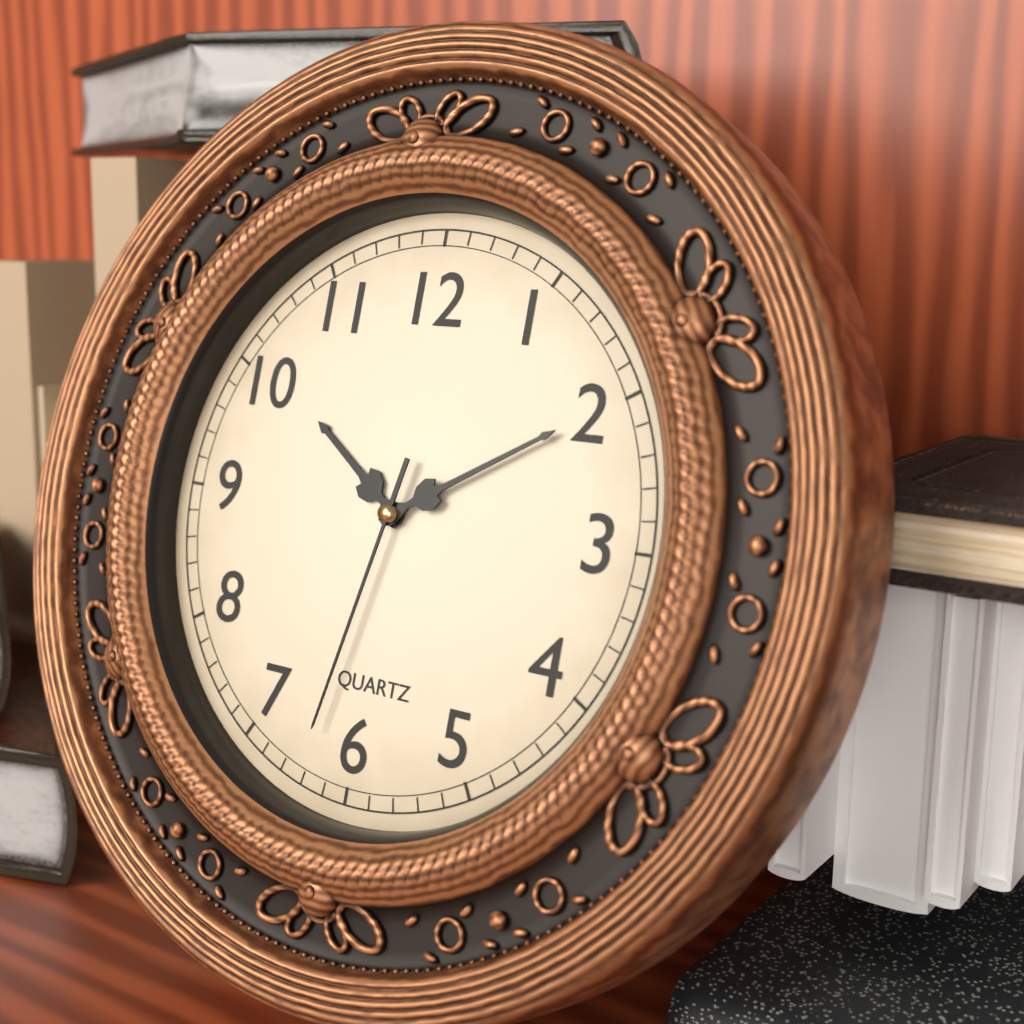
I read 10.10.32
